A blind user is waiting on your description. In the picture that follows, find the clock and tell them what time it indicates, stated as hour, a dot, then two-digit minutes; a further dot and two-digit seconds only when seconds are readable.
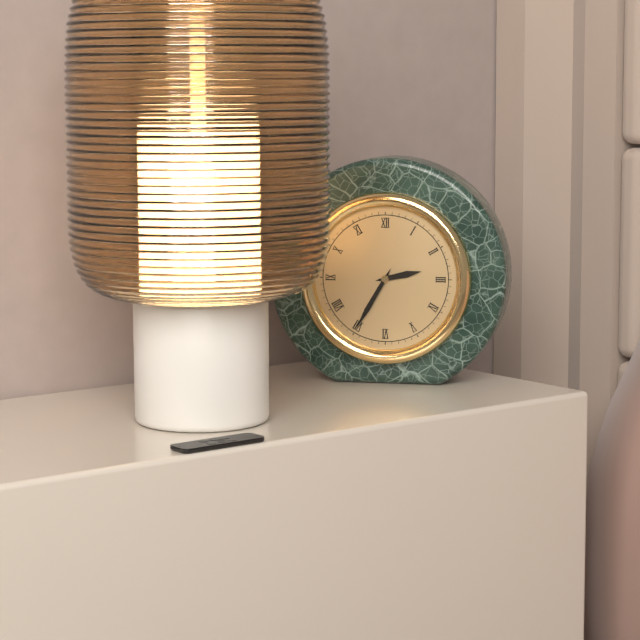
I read 2.35
